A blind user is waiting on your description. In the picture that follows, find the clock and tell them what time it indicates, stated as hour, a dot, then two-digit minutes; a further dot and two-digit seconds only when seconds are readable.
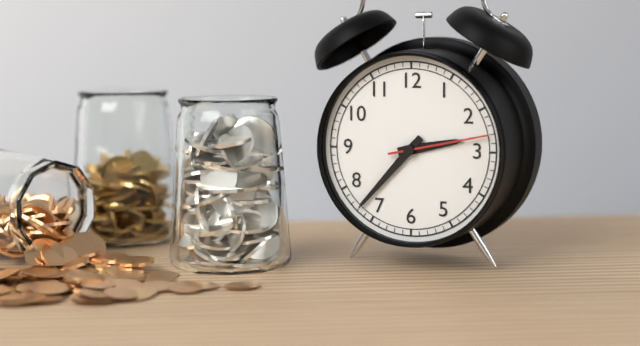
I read 2.37.13
